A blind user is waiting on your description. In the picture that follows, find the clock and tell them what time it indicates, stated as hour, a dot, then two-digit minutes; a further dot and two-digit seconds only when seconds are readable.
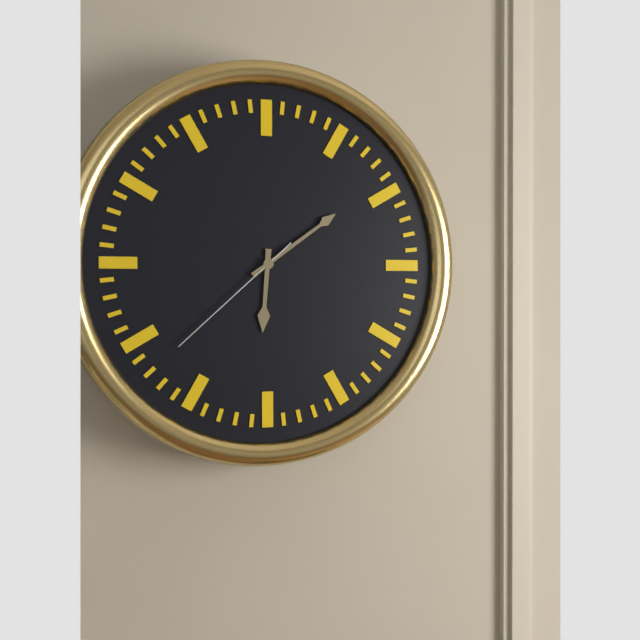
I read 6.09.38
